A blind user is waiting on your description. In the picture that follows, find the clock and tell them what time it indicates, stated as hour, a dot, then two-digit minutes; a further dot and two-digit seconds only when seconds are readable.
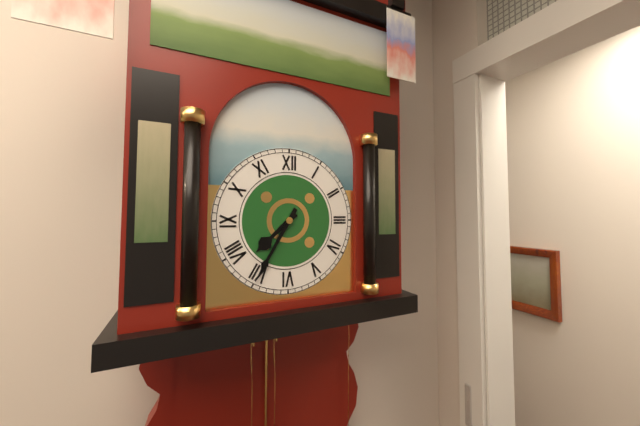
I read 7.35
